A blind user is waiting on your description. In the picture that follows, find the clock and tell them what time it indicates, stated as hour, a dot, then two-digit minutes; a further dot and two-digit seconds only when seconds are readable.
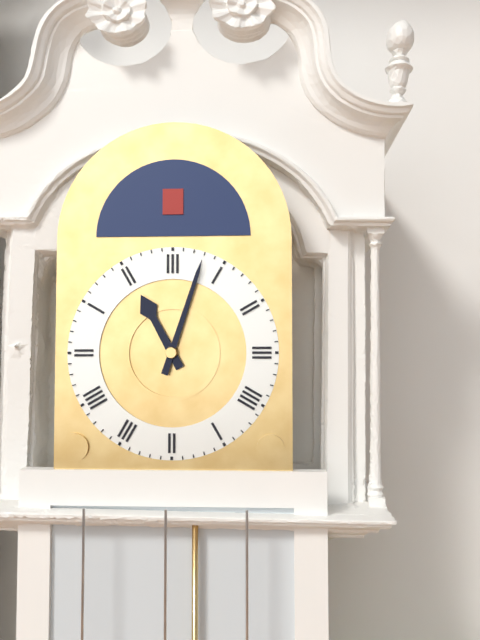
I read 11.03
